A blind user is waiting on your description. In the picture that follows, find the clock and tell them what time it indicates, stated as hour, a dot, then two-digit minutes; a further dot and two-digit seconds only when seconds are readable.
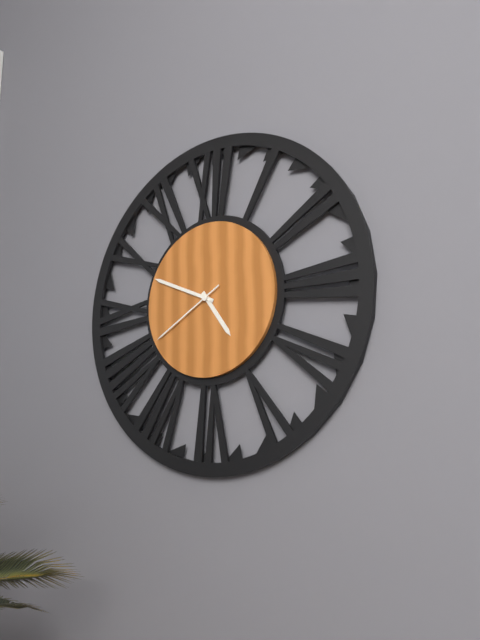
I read 4.49.40
